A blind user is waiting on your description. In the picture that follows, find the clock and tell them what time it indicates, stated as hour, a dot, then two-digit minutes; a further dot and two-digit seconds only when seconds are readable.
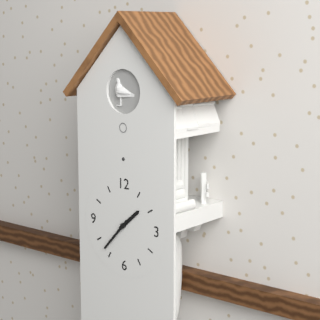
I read 1.37
